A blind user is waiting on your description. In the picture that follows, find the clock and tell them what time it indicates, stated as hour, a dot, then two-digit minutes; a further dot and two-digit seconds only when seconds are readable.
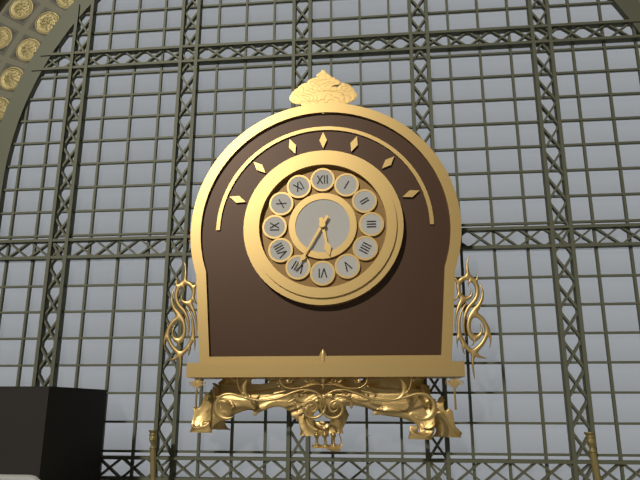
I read 5.35
